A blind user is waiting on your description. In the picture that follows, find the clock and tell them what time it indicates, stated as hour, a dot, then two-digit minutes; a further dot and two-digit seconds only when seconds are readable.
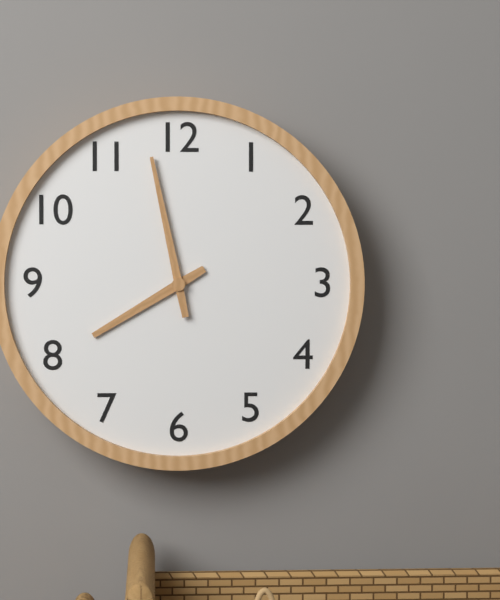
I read 7.58
